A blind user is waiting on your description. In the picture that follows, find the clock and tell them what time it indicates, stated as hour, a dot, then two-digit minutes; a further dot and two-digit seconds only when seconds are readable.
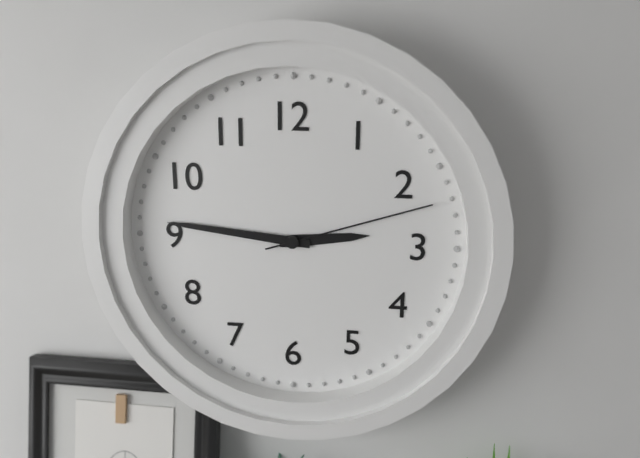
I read 2.46.12
